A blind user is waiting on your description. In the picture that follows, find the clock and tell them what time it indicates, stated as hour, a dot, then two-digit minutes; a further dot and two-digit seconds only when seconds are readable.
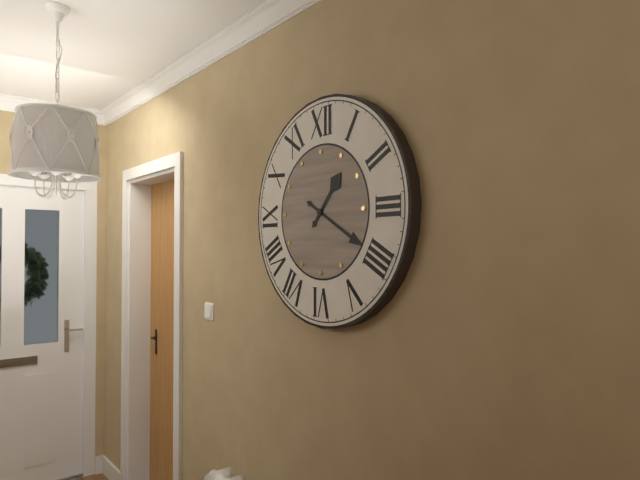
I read 1.20
